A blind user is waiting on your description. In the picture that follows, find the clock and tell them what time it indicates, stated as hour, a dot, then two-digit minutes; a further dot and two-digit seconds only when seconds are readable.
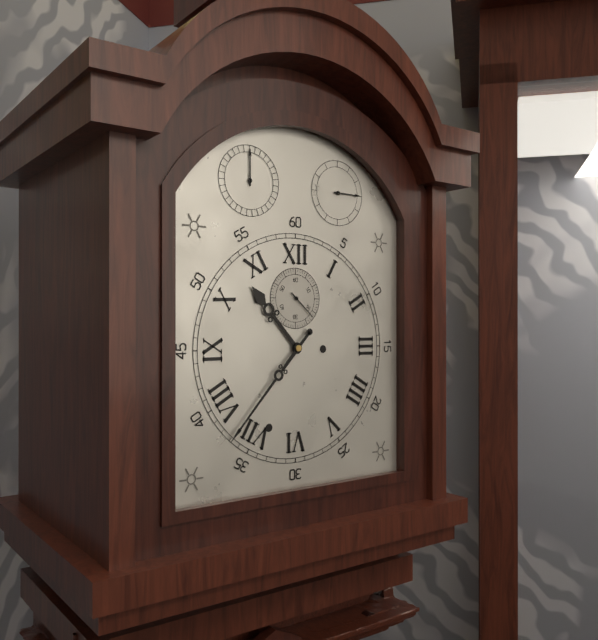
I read 10.37
